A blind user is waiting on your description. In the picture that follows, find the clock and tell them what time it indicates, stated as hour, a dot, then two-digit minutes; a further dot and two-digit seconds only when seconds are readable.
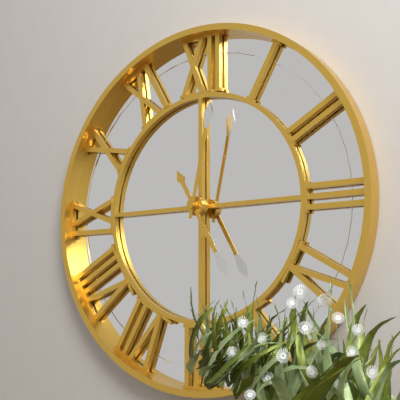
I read 5.02
